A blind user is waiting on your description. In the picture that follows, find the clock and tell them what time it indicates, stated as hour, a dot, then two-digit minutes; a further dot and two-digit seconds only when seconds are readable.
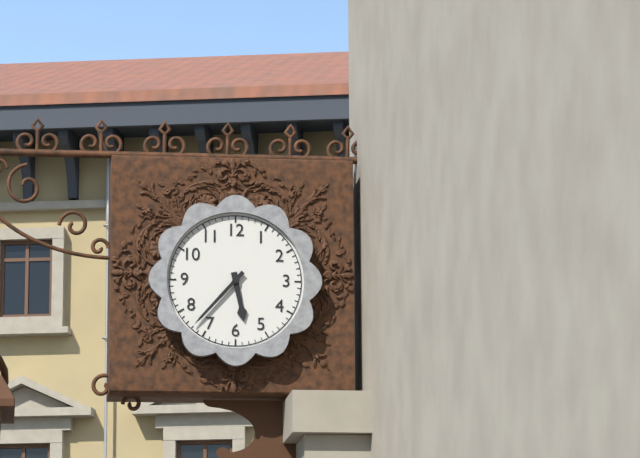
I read 5.37
